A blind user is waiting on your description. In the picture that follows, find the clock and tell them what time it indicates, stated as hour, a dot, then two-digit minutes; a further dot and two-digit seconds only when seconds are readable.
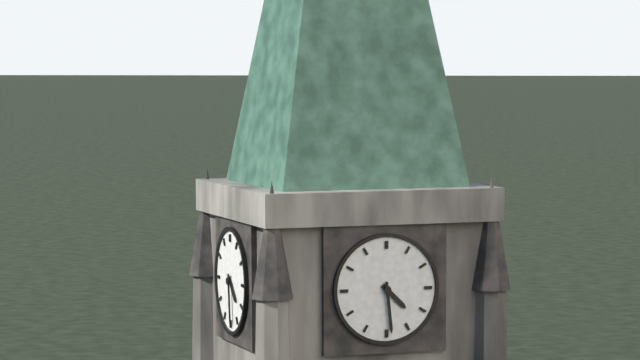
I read 4.29
